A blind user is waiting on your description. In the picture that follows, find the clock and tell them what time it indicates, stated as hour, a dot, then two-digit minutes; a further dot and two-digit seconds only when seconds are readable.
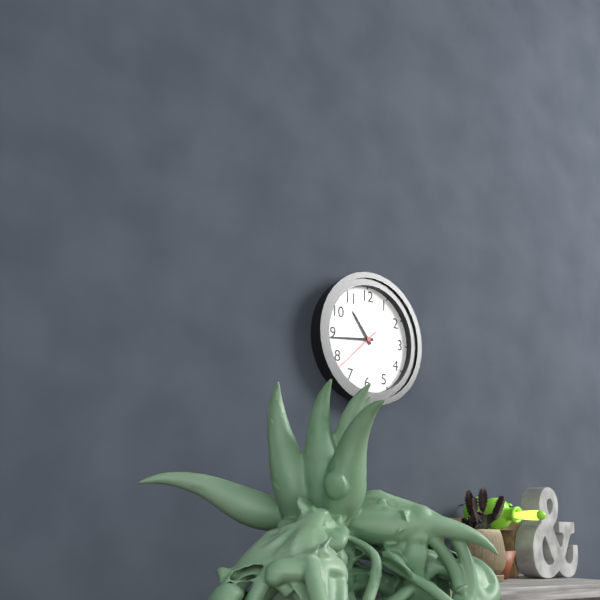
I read 10.44.38
